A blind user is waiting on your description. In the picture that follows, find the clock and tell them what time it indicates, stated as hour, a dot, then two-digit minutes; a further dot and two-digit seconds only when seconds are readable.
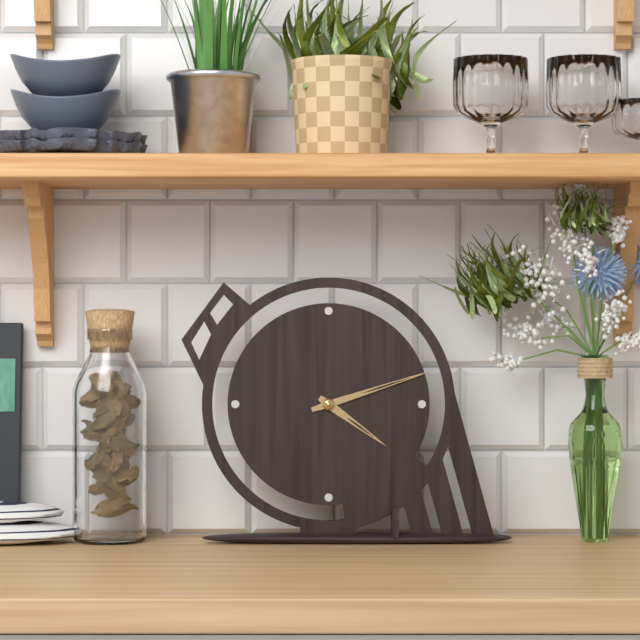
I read 4.12
